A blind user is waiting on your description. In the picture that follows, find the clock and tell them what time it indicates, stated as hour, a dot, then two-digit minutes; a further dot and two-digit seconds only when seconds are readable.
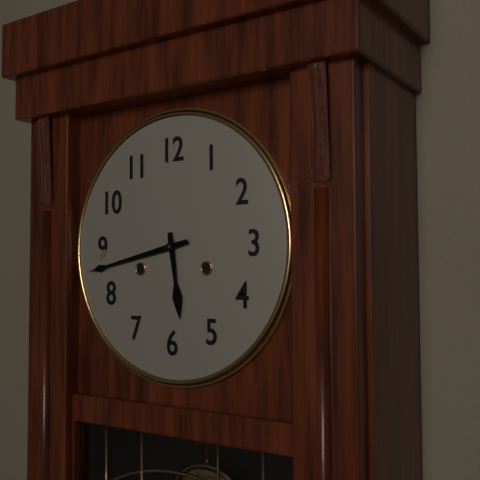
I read 5.43
